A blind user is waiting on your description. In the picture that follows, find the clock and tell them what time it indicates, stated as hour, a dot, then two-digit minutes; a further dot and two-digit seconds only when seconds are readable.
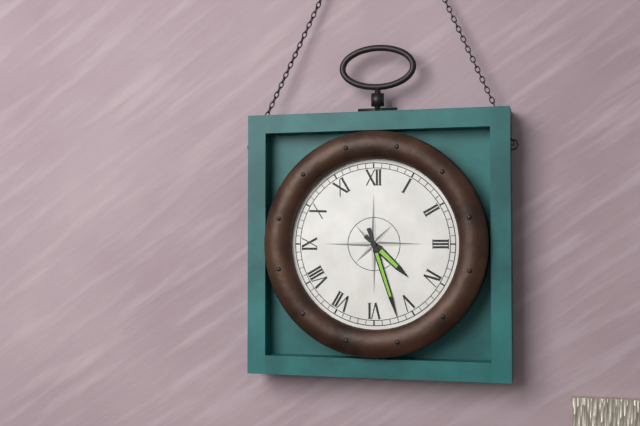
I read 4.27
